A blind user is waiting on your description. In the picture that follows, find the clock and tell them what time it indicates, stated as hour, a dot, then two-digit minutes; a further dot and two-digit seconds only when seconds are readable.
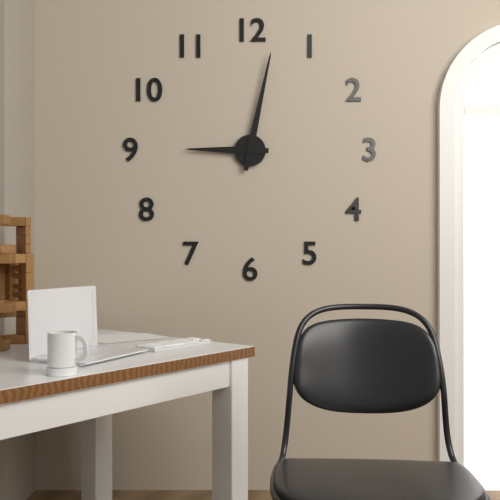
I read 9.02
